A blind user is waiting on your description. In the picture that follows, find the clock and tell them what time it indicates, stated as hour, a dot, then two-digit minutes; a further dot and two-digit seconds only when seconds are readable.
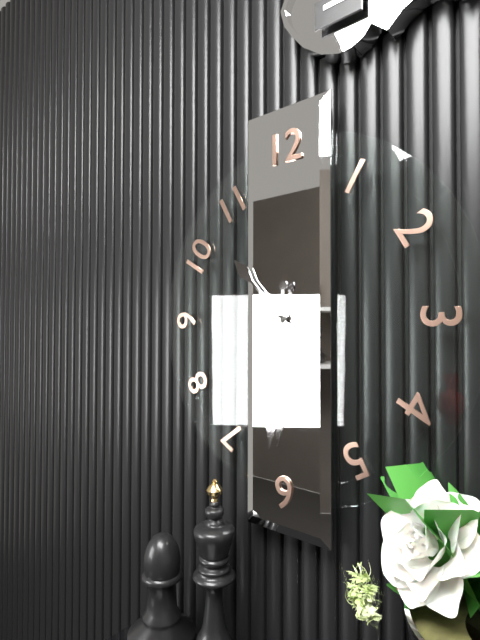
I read 10.31
